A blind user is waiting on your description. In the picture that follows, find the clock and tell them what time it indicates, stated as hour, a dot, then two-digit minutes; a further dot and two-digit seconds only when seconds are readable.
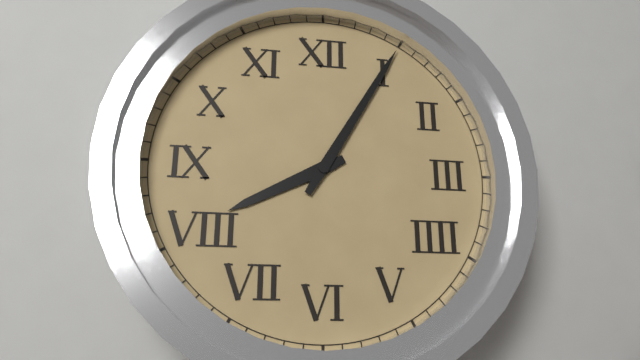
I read 8.05
